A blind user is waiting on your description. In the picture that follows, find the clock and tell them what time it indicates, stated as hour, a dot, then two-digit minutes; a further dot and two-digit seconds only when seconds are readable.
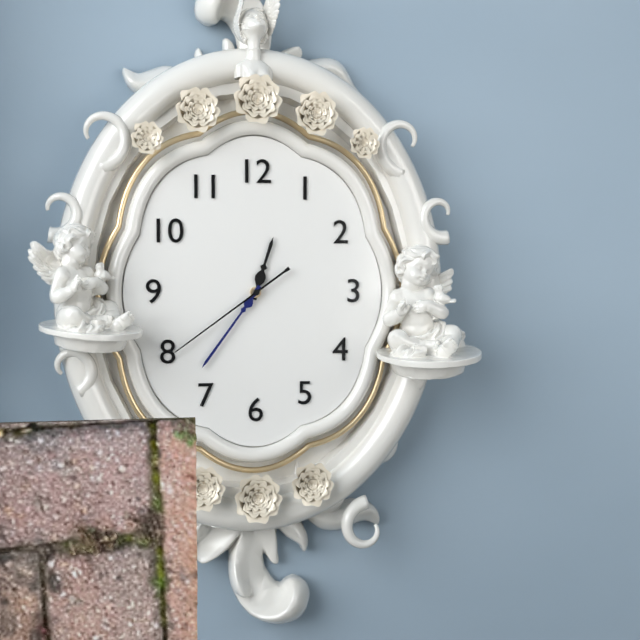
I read 12.36.39
